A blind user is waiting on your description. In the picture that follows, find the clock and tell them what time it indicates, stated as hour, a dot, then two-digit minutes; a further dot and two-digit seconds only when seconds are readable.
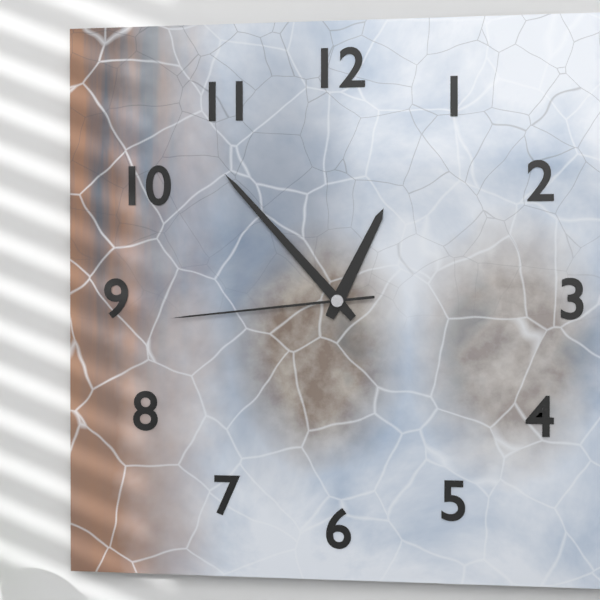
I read 12.53.44
